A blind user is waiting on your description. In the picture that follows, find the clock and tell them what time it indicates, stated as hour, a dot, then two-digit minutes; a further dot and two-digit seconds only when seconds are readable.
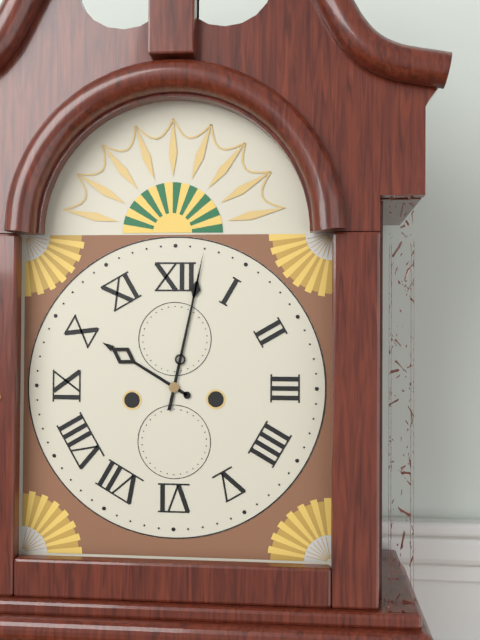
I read 10.02
